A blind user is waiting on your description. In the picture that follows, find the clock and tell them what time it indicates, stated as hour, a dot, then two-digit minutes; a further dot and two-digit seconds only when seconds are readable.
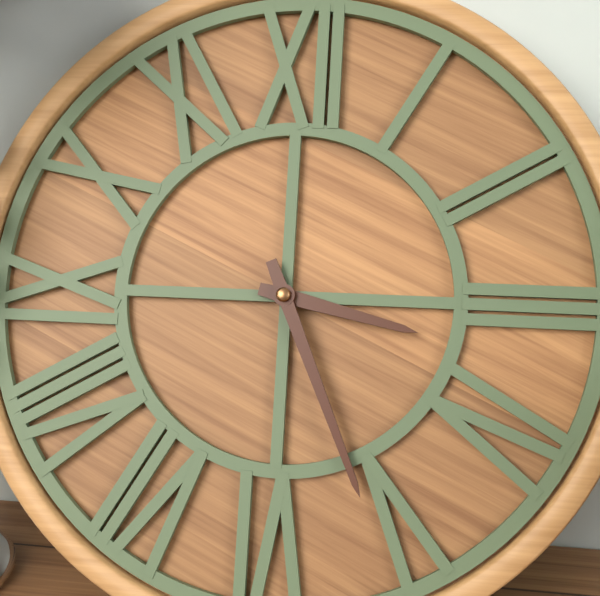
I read 3.26
